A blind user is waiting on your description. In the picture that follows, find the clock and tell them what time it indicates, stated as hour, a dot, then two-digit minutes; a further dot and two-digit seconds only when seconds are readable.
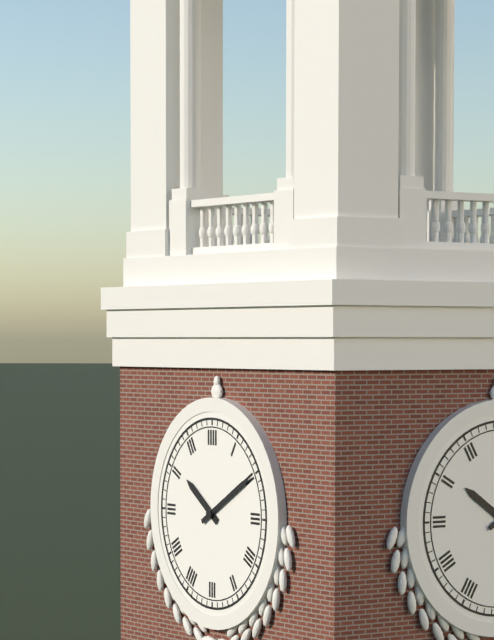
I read 10.10
